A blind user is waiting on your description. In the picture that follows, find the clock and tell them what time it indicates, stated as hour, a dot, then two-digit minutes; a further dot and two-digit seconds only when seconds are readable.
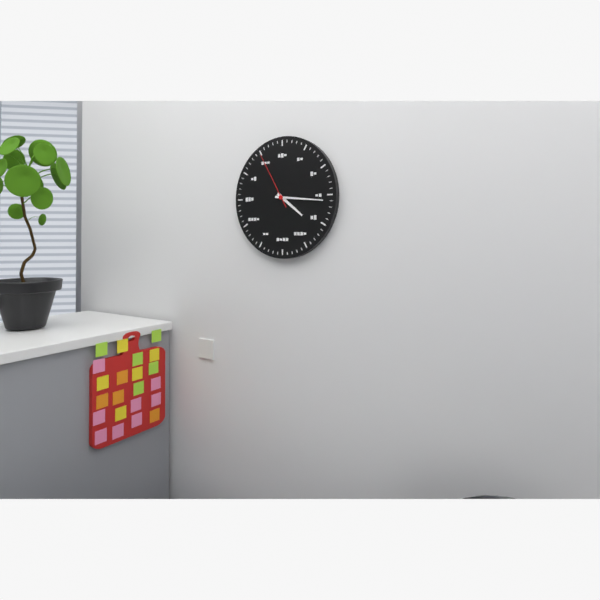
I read 4.16.55
